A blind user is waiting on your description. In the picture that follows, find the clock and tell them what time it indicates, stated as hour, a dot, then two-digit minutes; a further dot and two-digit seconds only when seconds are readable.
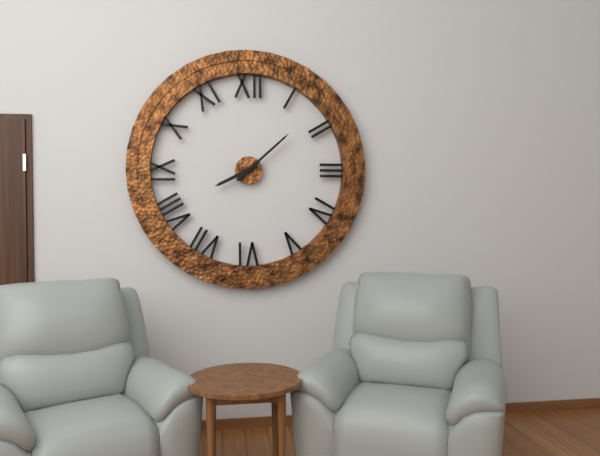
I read 8.08
